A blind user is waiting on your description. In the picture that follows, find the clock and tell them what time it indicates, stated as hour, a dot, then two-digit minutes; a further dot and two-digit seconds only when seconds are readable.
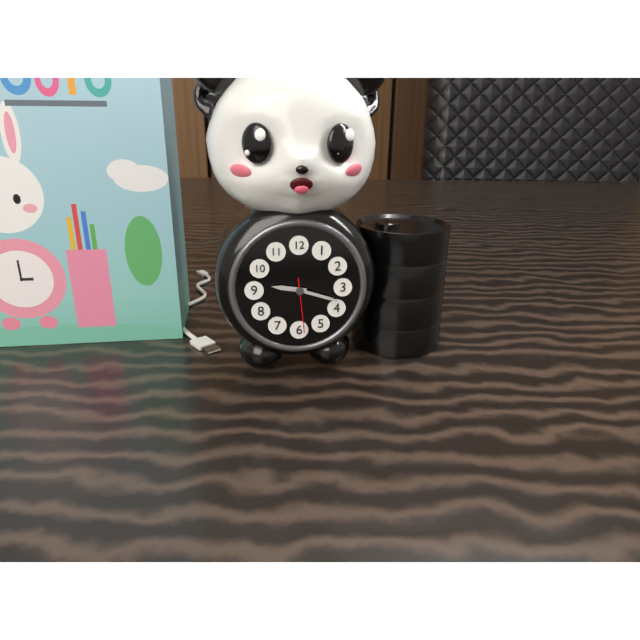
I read 9.18.29
